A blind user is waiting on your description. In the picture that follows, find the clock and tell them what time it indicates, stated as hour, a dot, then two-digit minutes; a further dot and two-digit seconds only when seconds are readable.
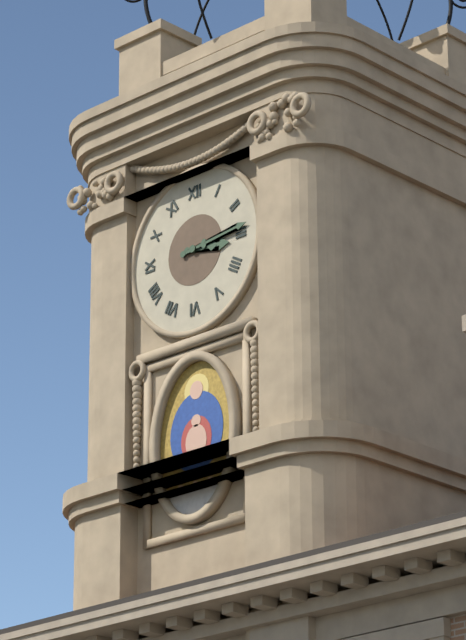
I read 3.14
